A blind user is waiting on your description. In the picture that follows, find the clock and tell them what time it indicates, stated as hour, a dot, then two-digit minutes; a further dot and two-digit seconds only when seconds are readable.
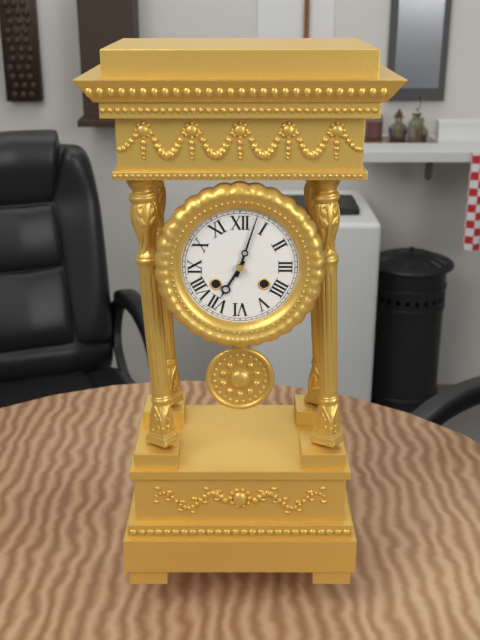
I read 7.03
